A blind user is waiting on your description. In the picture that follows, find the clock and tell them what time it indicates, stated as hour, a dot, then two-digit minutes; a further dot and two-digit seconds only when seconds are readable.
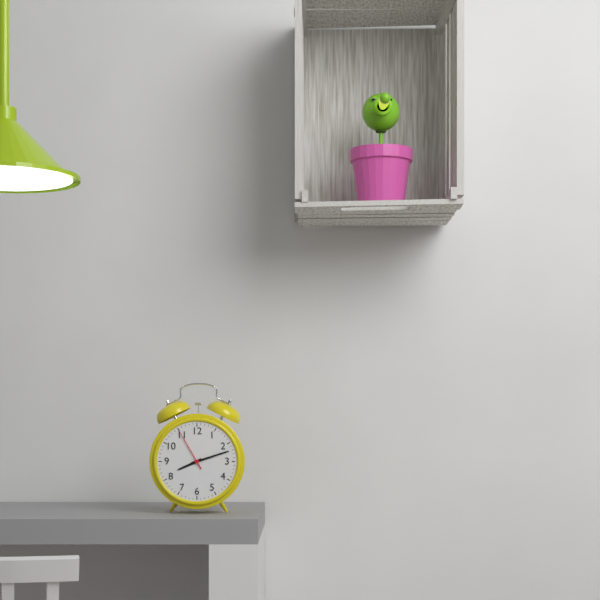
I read 8.12
